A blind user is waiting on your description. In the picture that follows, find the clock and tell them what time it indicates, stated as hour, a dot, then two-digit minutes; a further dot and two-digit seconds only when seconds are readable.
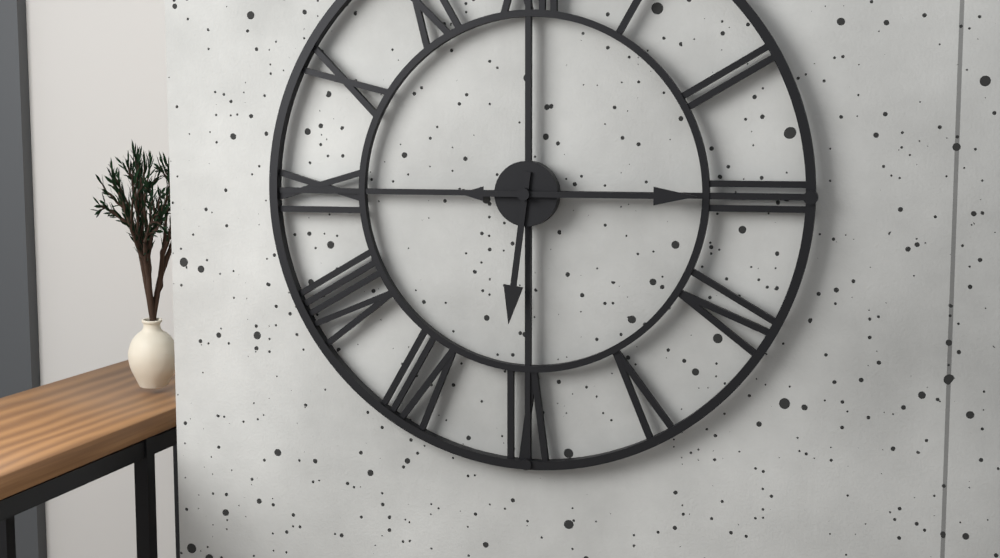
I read 6.15
